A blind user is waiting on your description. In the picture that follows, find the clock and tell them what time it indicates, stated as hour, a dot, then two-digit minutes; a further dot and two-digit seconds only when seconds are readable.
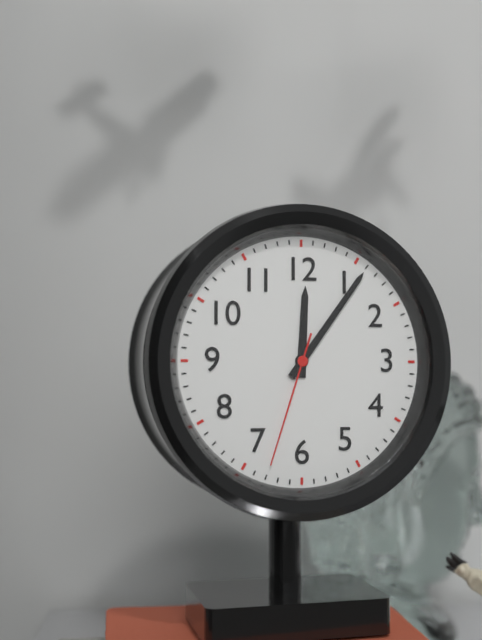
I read 12.06.33
